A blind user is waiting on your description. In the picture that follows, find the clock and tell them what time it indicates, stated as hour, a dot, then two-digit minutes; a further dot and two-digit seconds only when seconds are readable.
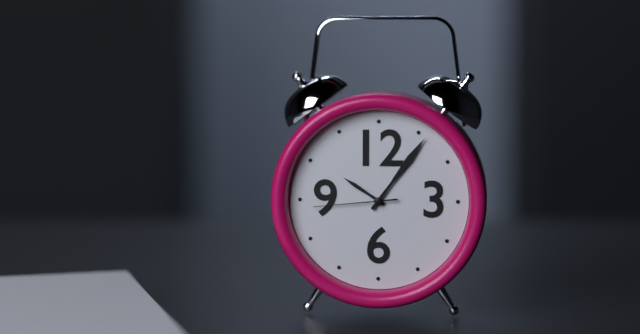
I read 10.06.44
